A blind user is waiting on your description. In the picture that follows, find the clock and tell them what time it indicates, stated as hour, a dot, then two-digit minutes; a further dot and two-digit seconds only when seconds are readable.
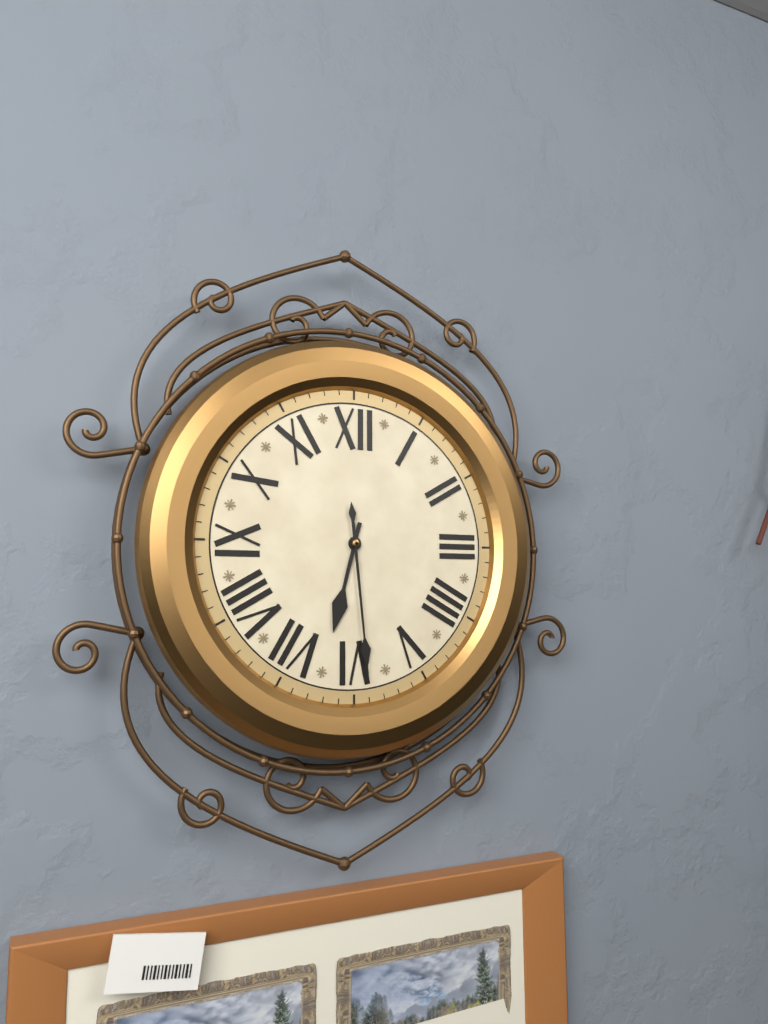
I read 6.29
